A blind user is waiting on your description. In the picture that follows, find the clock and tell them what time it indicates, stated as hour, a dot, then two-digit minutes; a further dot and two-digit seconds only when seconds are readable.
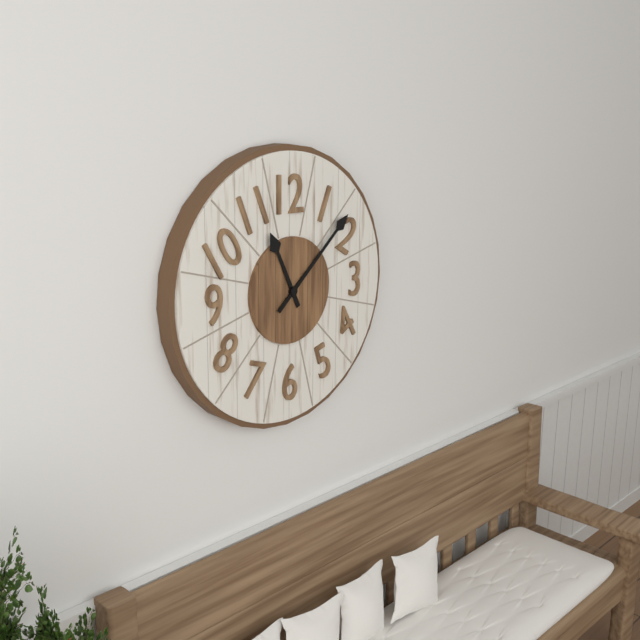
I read 11.08
